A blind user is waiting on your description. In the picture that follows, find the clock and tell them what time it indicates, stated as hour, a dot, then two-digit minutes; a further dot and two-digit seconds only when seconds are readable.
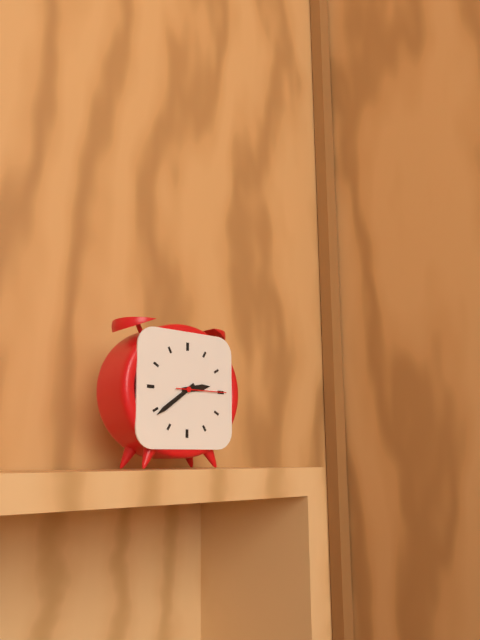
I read 2.39
